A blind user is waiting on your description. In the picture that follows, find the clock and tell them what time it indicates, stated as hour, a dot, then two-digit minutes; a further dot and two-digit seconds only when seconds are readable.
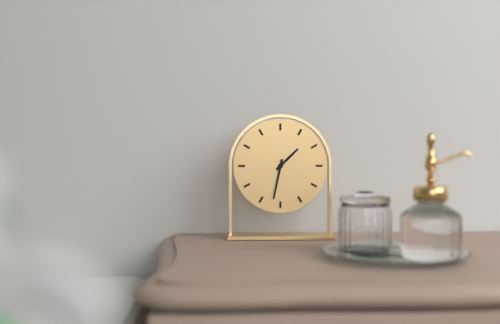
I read 1.32
